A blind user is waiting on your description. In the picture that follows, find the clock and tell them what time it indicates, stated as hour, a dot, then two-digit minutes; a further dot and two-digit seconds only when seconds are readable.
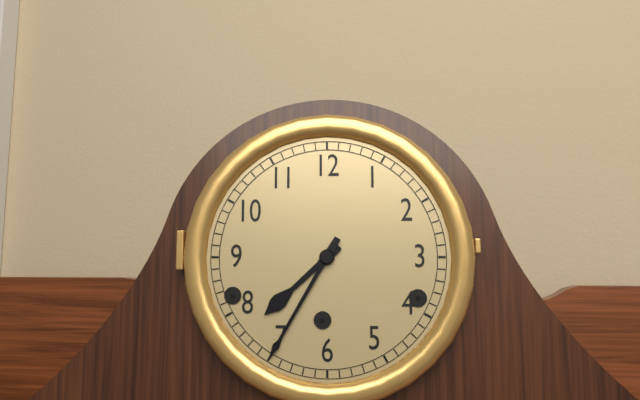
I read 7.35
